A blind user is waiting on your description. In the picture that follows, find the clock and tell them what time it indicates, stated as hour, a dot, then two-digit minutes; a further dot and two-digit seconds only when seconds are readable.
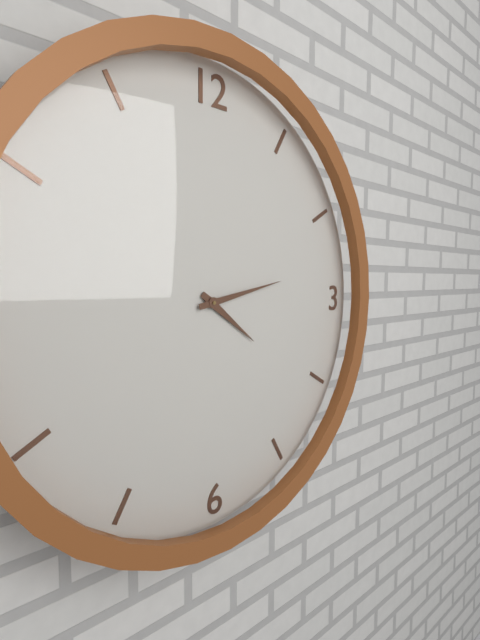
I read 4.13
